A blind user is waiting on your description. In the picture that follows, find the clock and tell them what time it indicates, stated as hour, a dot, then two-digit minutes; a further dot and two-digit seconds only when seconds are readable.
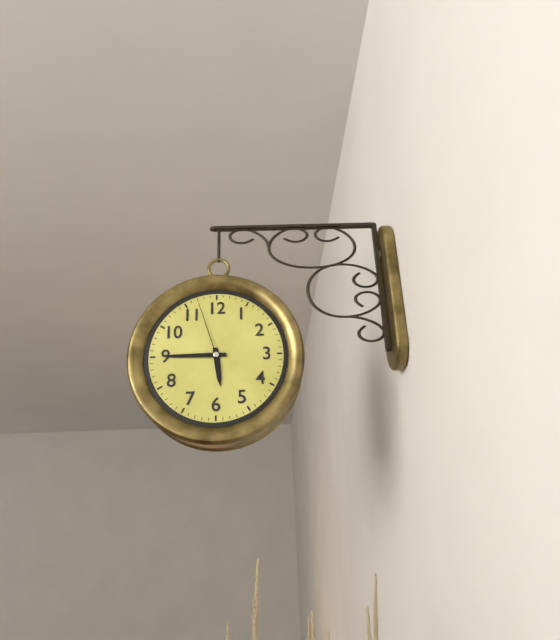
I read 5.45.57
